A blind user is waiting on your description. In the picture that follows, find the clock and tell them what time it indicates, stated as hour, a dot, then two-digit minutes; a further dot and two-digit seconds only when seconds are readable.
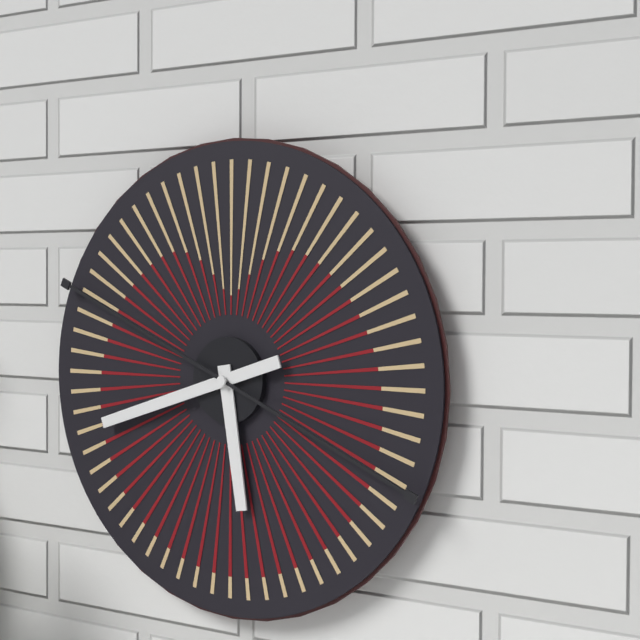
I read 5.42
